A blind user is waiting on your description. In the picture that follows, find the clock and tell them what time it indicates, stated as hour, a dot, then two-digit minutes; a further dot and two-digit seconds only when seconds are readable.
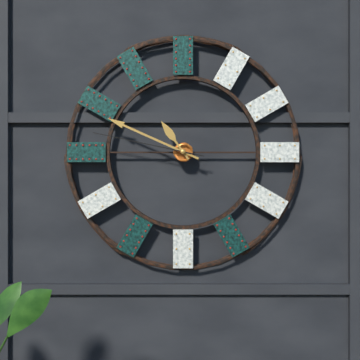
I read 10.49.47
